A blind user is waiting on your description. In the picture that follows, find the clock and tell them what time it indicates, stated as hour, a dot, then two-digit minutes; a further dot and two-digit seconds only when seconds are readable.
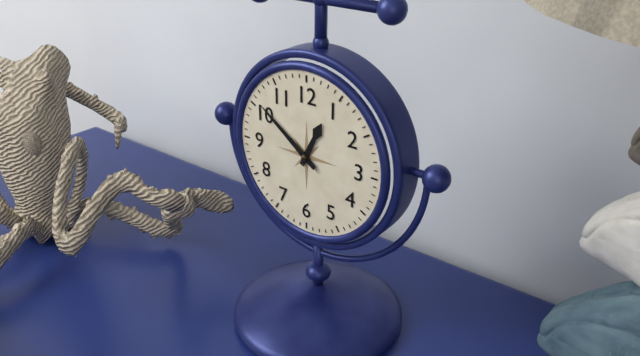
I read 12.51
